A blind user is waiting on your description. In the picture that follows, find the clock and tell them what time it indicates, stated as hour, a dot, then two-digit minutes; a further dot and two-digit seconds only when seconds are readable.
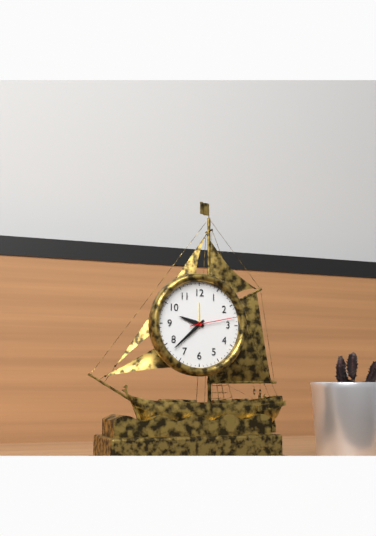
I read 9.38
